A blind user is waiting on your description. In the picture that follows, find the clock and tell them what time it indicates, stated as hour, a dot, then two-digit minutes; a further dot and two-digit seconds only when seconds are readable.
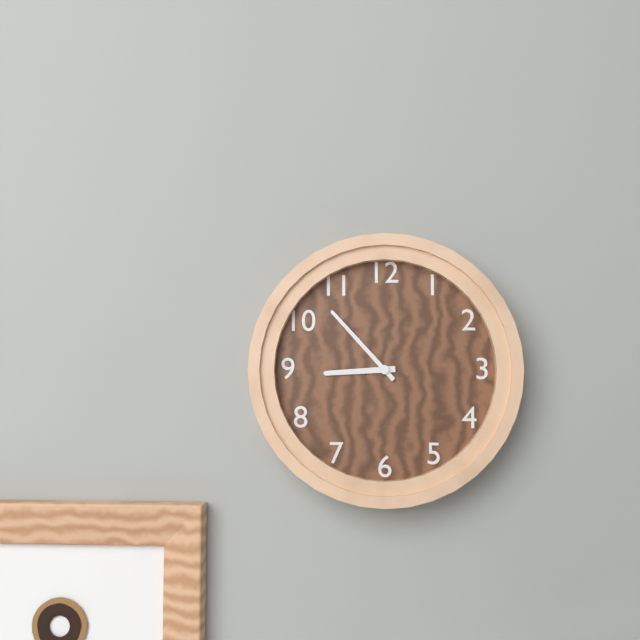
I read 8.53
